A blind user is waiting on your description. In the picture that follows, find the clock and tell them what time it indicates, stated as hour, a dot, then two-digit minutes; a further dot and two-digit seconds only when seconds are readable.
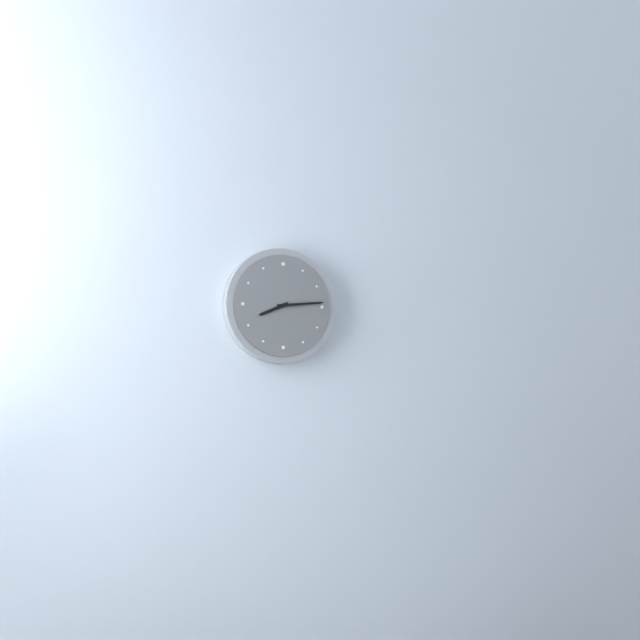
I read 8.14
